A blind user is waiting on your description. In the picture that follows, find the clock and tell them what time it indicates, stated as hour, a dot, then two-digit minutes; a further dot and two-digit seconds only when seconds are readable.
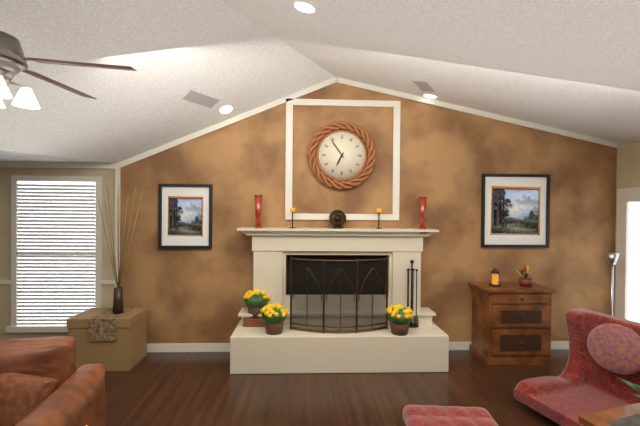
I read 6.54
